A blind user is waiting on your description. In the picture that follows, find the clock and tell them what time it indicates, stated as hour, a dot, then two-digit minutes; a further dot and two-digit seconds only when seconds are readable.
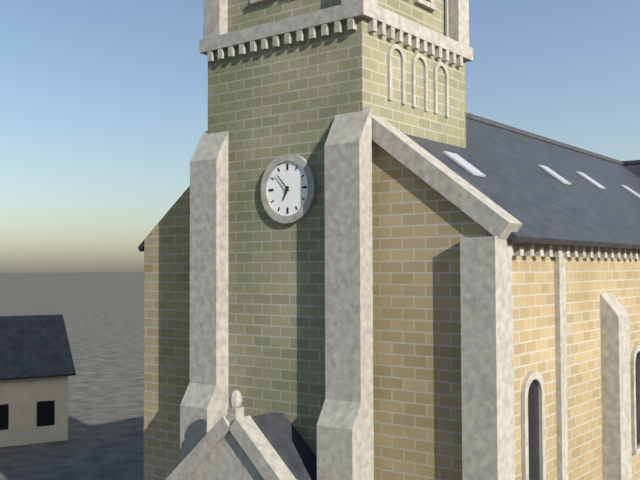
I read 6.53
